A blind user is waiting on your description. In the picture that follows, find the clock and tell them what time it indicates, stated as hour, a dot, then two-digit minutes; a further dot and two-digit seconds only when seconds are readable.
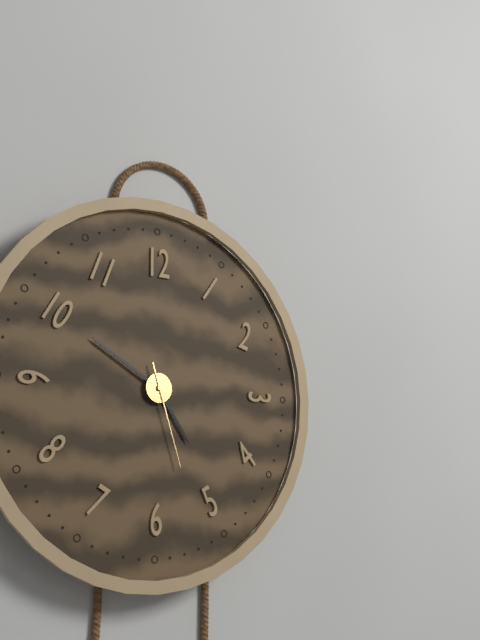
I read 4.50.27
